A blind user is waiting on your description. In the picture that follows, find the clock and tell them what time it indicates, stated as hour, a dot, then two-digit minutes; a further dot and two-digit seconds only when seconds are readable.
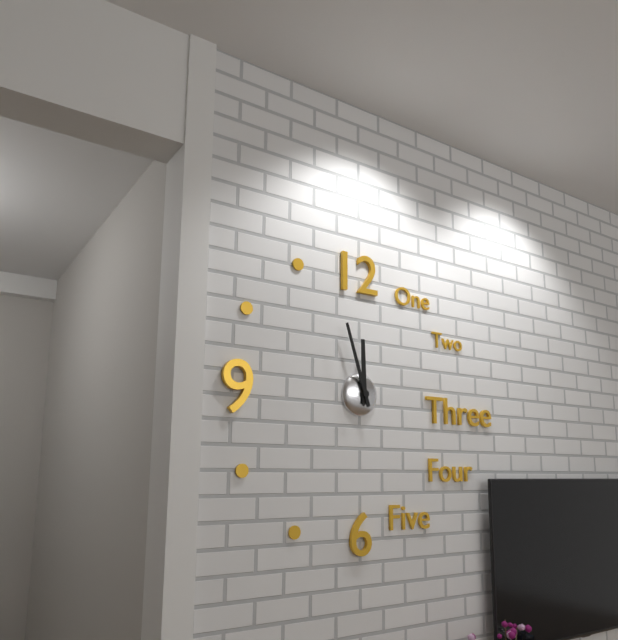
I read 11.57
